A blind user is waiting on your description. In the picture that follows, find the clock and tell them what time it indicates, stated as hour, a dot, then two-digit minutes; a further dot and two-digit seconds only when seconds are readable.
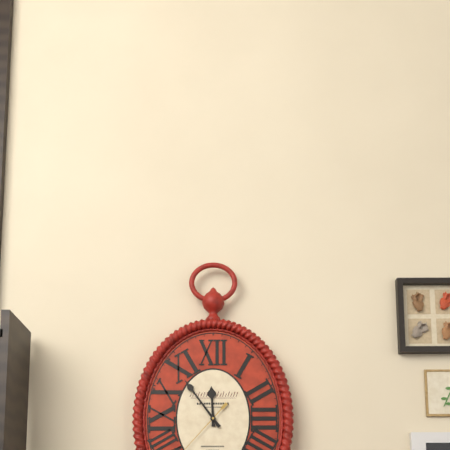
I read 11.54
